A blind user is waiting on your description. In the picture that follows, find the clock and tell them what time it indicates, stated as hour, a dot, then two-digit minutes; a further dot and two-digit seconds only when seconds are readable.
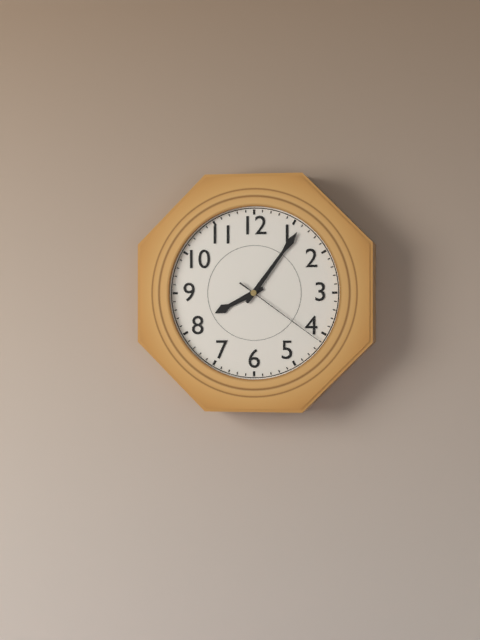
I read 8.06.21
